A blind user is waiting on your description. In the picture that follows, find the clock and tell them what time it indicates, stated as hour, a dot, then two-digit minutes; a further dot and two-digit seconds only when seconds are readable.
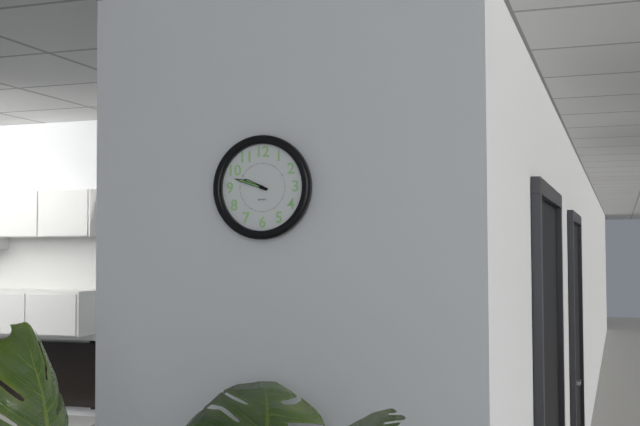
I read 9.48
